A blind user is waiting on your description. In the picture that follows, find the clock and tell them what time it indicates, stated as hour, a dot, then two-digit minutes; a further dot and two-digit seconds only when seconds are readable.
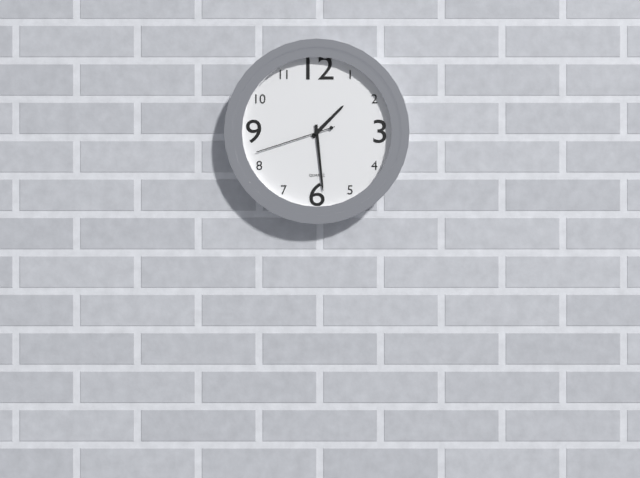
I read 1.29.42
